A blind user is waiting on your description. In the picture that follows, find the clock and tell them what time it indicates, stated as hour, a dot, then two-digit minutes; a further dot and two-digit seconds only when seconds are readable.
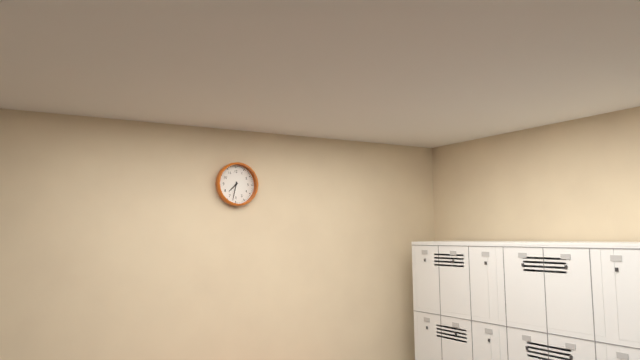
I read 7.32
